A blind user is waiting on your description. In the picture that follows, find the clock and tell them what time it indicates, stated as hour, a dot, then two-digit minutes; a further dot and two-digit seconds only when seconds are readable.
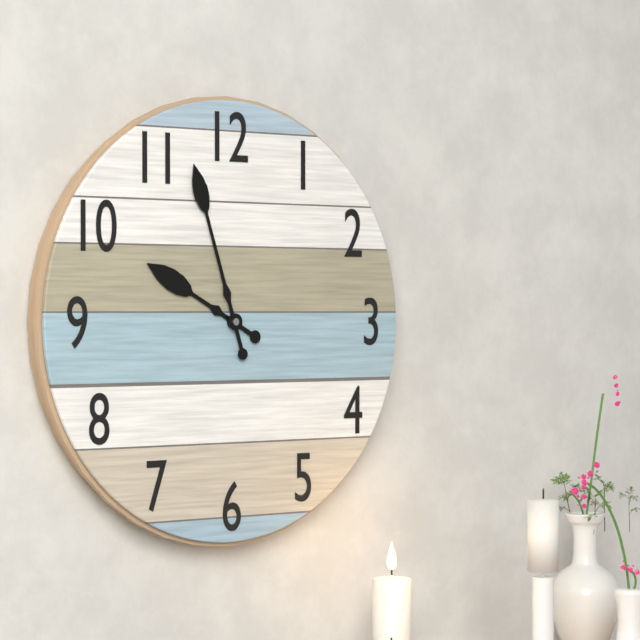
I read 9.57
